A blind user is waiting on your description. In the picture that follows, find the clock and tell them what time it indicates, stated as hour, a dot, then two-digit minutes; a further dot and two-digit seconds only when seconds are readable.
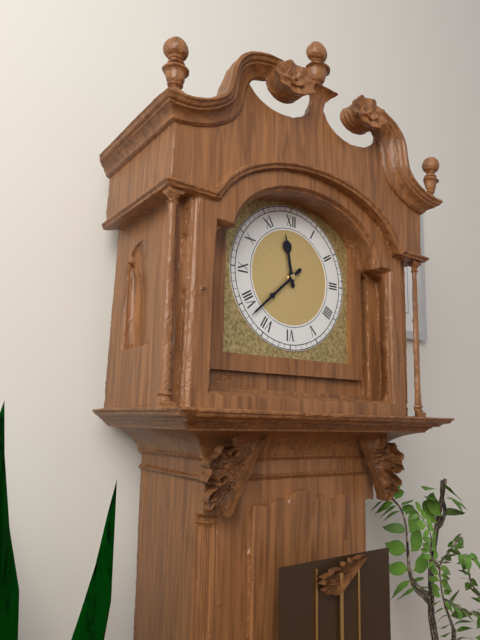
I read 11.38
